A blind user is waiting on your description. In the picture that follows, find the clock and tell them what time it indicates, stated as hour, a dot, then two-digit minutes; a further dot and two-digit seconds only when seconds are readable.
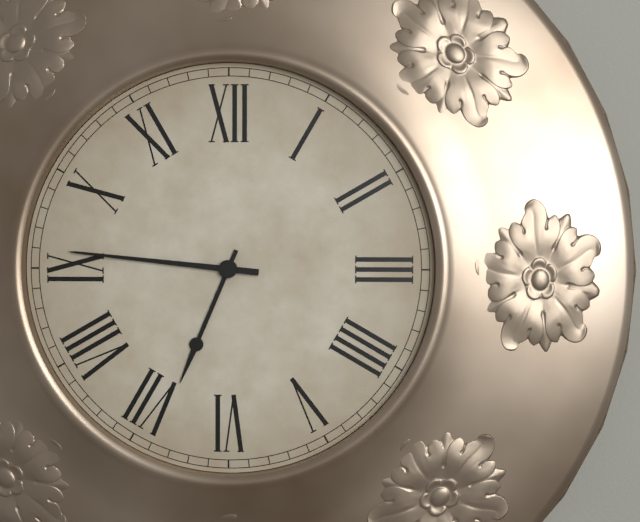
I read 6.46
